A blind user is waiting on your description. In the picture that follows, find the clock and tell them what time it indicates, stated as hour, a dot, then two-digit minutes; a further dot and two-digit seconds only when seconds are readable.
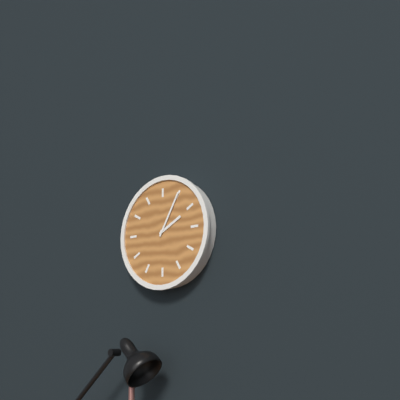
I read 2.05
